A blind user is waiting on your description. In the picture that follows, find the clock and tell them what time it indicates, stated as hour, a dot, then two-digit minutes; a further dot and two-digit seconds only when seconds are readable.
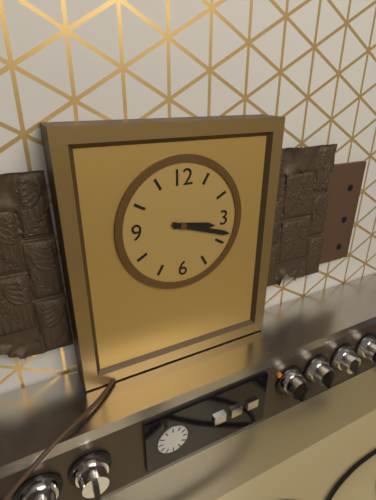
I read 3.18
